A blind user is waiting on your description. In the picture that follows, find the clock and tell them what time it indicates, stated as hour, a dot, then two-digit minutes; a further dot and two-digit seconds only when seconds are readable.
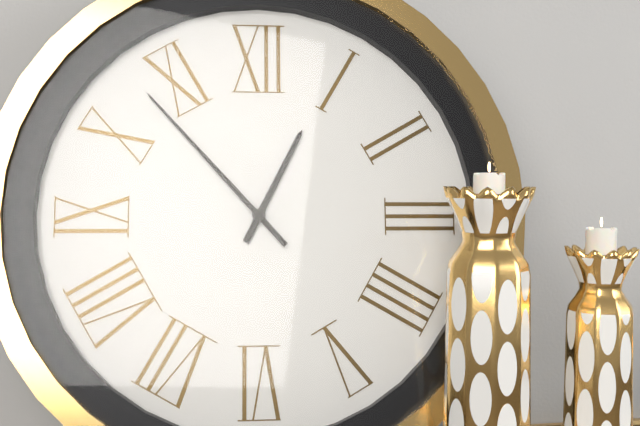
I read 12.53
